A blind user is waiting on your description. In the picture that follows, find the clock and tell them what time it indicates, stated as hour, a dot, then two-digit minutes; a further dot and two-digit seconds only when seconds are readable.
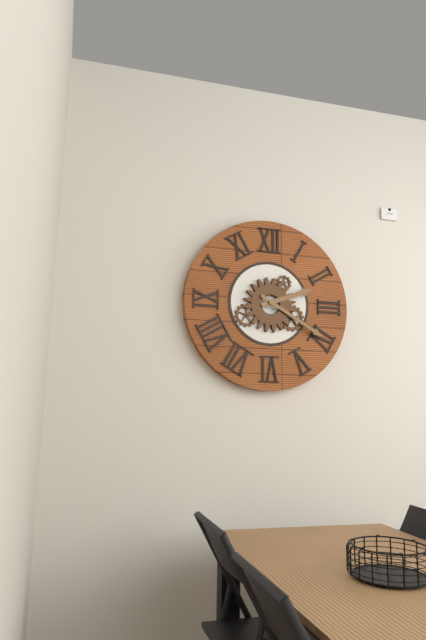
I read 2.20
